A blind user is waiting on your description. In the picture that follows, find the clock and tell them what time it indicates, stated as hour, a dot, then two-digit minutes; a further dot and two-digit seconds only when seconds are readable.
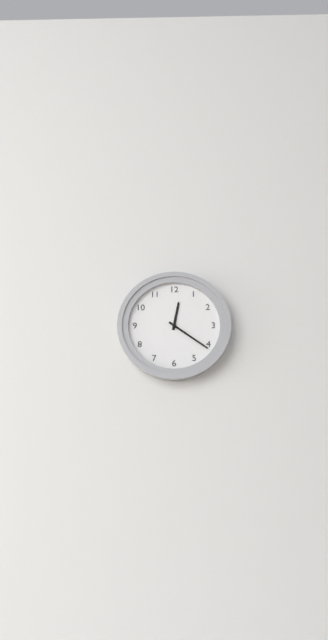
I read 12.21
